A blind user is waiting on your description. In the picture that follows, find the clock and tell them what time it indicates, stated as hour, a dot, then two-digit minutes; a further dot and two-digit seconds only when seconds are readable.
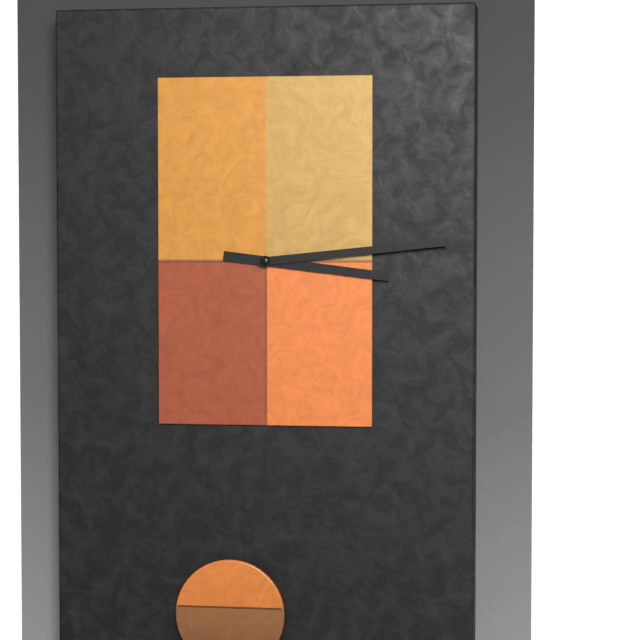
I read 3.14
